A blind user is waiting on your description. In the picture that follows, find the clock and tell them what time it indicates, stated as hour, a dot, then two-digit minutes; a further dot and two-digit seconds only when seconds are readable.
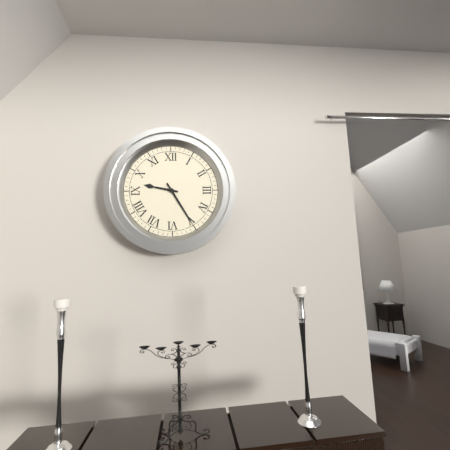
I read 9.25
